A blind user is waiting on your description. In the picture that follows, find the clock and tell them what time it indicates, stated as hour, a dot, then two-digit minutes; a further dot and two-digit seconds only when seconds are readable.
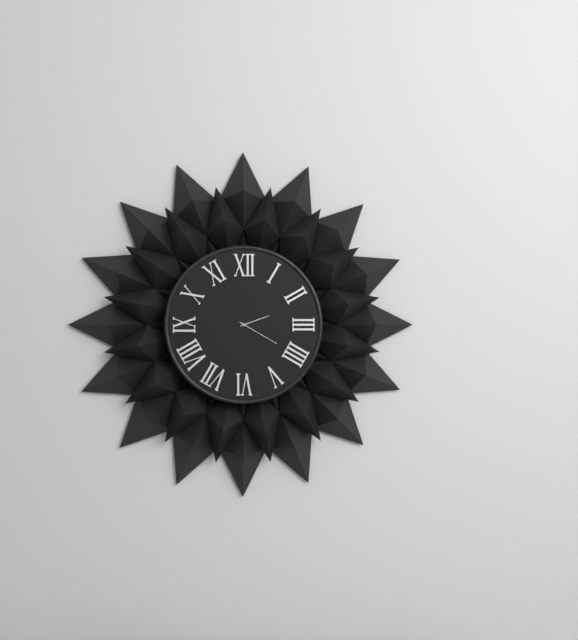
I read 2.20
